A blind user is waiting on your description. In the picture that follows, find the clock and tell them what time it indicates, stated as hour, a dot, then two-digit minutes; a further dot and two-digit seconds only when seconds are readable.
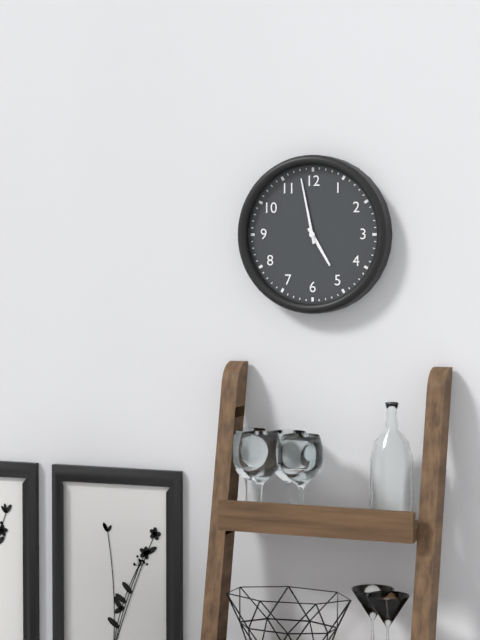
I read 4.58
